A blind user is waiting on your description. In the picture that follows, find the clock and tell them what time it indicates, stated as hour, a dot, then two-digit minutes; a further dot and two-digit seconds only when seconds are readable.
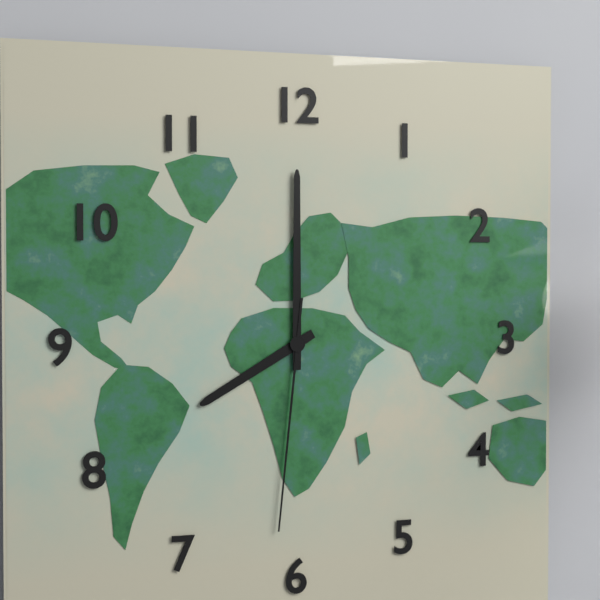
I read 8.00.31
